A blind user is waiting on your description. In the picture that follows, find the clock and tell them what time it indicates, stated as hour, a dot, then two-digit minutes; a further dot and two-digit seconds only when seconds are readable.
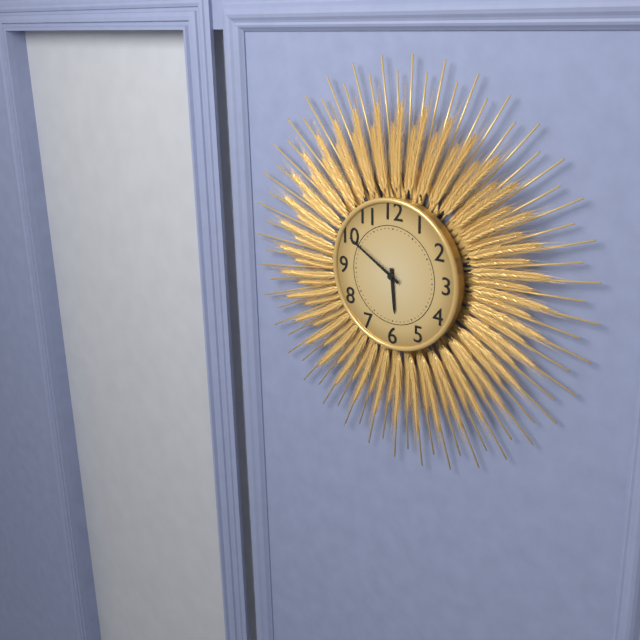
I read 5.50
